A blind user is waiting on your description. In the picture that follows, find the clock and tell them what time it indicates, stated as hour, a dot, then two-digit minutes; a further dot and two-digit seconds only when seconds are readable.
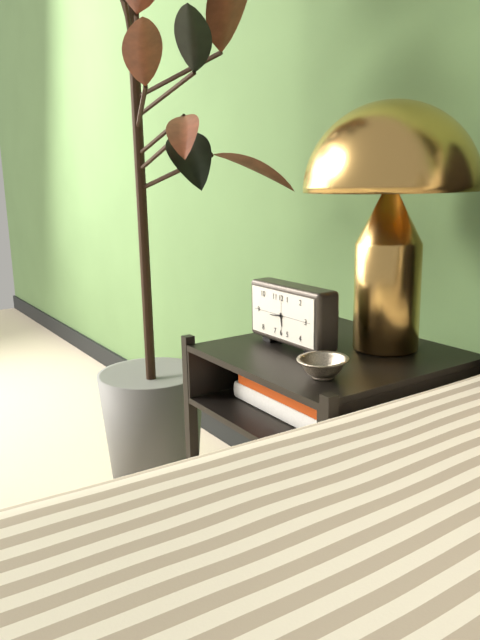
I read 5.44
